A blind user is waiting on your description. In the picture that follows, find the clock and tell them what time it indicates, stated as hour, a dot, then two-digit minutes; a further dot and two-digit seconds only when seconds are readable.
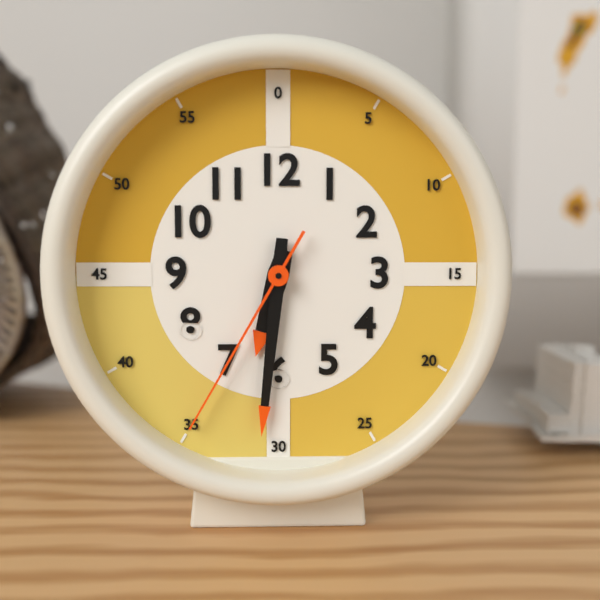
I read 6.31.35
